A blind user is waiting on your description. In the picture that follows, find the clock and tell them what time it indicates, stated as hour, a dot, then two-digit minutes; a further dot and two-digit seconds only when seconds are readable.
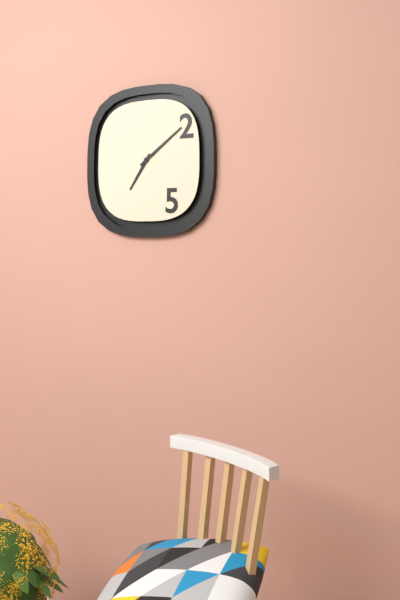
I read 7.09
